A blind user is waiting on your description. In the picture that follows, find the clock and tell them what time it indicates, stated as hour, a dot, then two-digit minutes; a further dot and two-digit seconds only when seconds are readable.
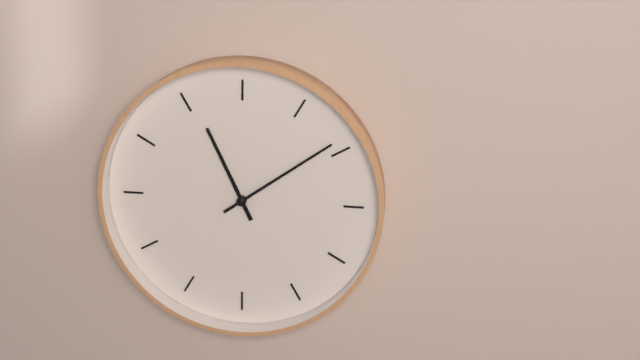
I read 11.09
